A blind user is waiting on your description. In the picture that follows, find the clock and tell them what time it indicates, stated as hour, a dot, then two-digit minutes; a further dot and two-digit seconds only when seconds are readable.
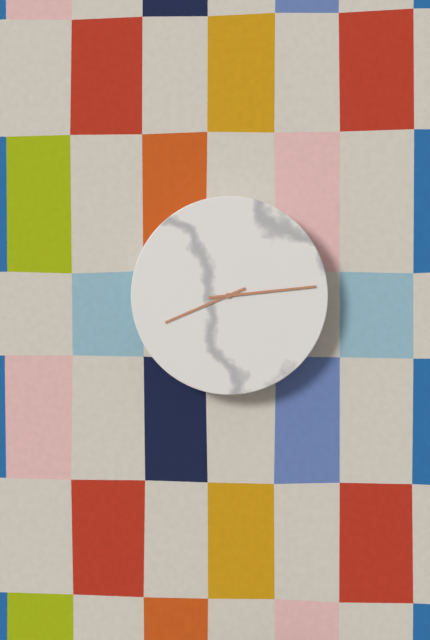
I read 8.14
